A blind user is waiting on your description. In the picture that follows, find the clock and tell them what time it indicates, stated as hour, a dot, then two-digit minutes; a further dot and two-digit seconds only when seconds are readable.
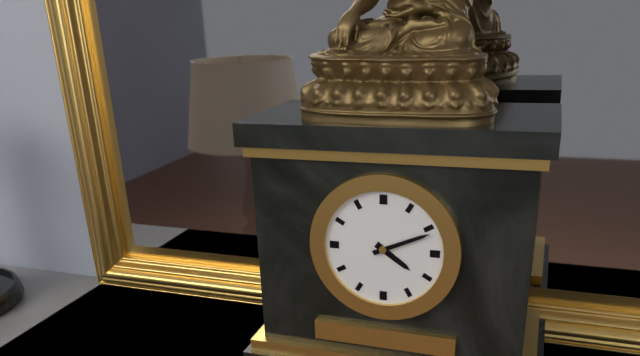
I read 4.11
